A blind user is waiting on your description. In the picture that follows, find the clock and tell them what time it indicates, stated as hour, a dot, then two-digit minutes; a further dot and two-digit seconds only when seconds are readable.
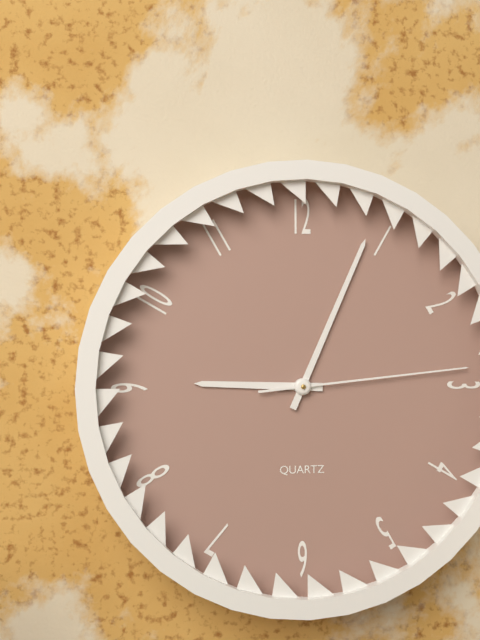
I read 9.04.14
